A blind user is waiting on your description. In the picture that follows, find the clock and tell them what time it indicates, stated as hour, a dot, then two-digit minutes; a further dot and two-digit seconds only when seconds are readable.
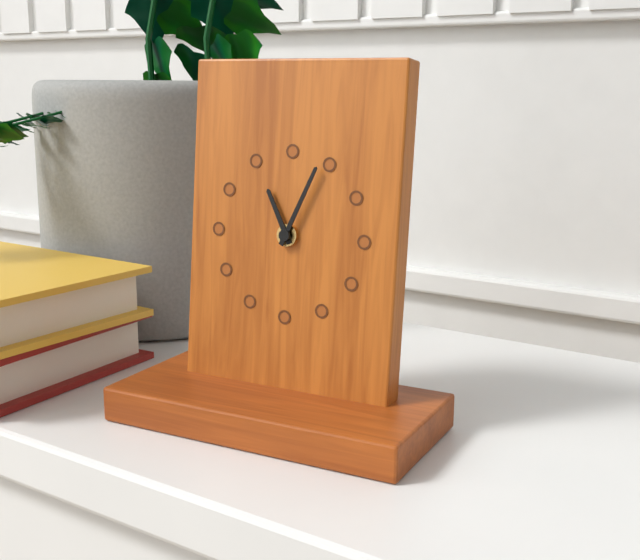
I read 11.04
